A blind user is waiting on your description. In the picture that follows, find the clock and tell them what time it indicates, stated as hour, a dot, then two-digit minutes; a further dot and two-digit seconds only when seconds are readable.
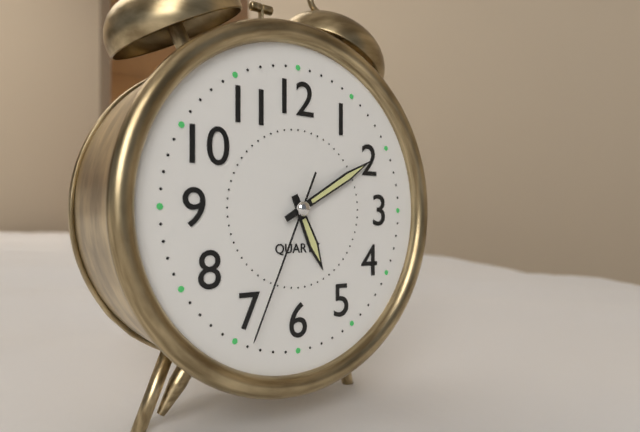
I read 5.10.34
